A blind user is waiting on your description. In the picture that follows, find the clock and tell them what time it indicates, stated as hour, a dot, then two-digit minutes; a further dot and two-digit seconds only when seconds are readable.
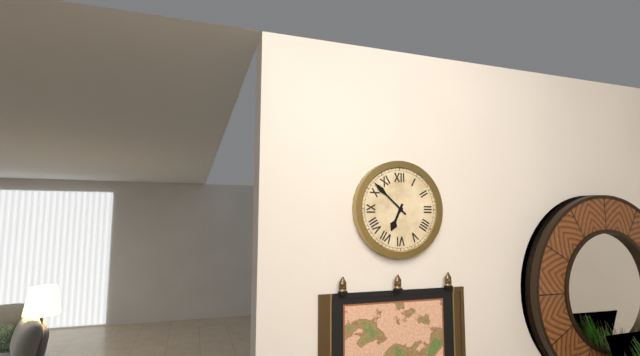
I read 6.52
